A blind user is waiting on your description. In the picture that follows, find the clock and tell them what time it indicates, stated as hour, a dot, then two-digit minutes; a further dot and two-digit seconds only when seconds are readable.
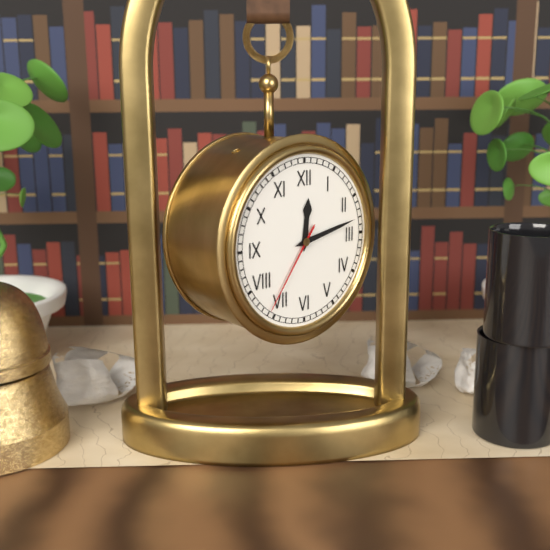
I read 12.13.36
